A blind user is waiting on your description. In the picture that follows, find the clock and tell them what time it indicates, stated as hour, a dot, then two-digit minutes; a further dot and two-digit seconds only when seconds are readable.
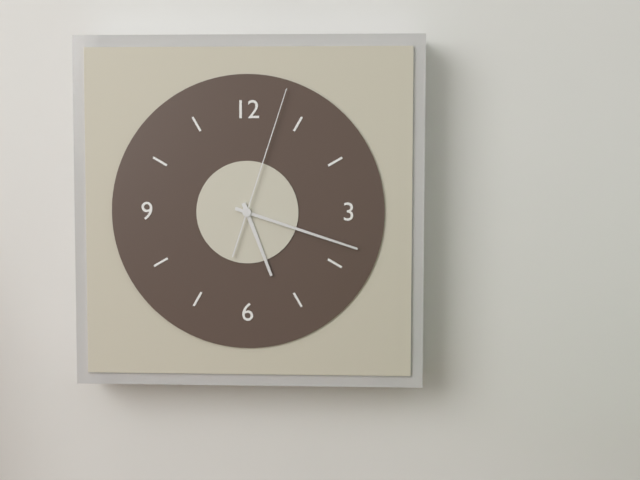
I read 5.18.03
